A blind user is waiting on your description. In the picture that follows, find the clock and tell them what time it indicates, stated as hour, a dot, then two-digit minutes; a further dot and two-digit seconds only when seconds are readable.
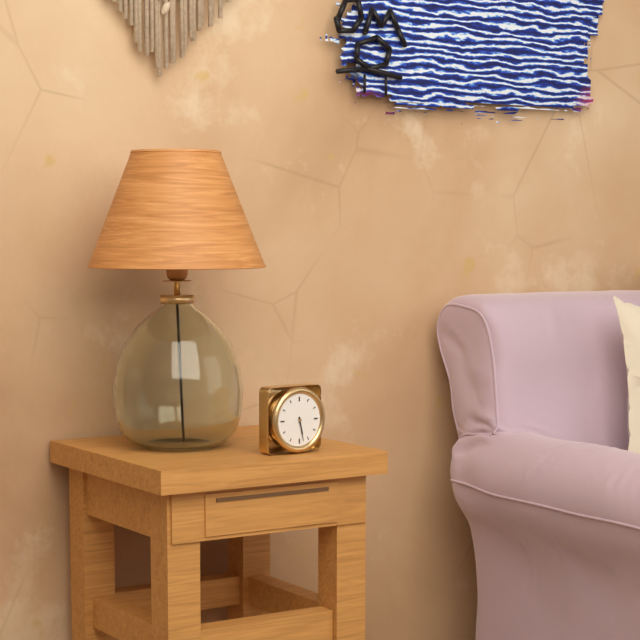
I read 5.28
